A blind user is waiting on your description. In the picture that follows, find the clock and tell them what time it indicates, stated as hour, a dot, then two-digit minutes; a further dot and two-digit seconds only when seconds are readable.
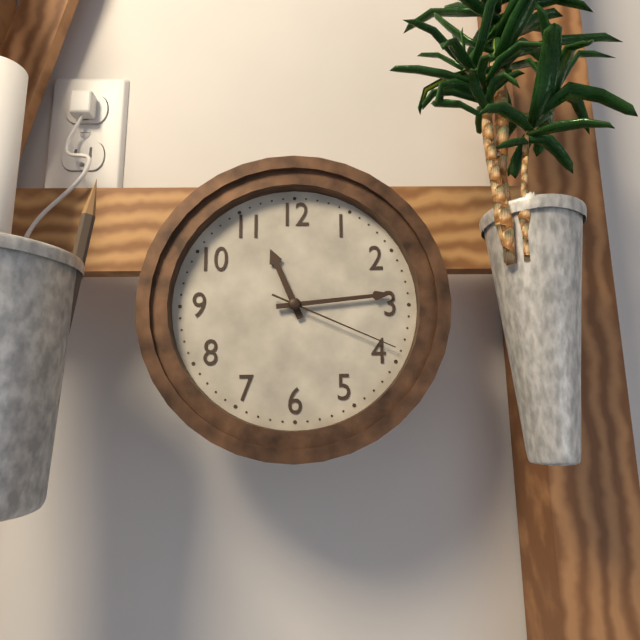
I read 11.14.19
